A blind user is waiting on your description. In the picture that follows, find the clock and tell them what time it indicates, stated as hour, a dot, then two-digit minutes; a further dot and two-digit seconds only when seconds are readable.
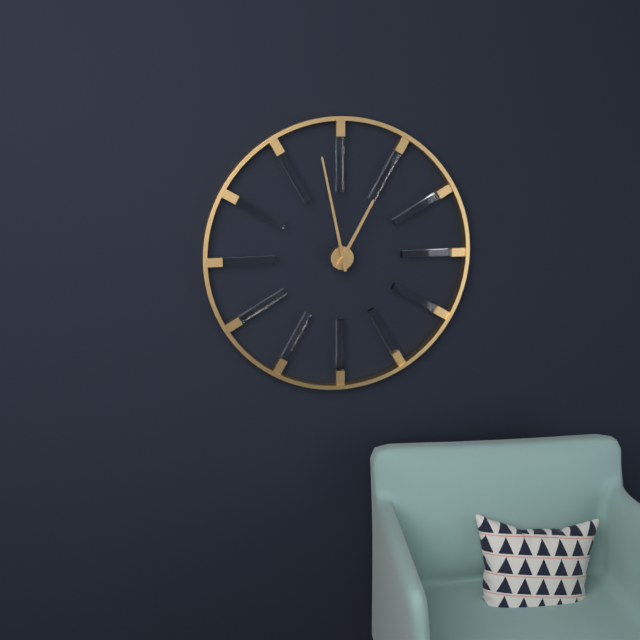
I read 12.58
